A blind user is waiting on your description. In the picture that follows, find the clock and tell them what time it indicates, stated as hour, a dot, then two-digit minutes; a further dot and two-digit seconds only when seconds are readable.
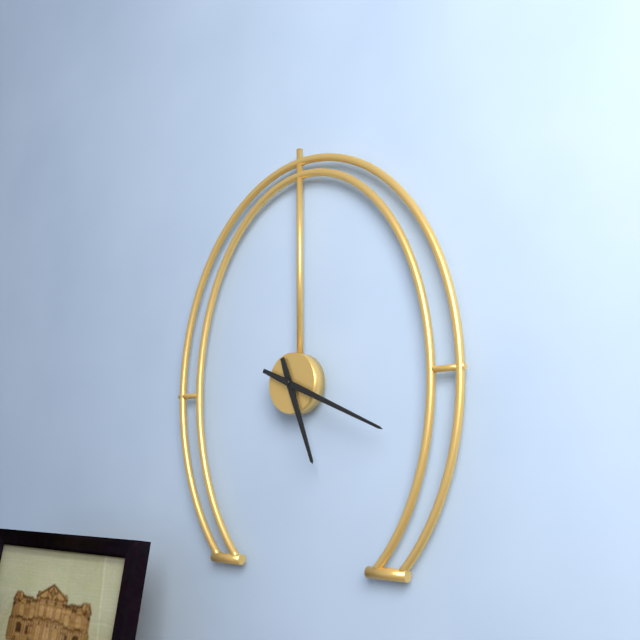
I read 5.19
